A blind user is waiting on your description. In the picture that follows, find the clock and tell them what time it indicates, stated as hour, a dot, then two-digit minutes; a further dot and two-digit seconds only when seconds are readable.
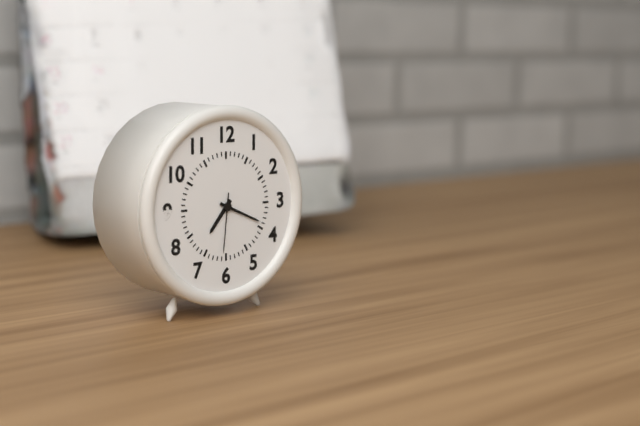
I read 7.19.31
